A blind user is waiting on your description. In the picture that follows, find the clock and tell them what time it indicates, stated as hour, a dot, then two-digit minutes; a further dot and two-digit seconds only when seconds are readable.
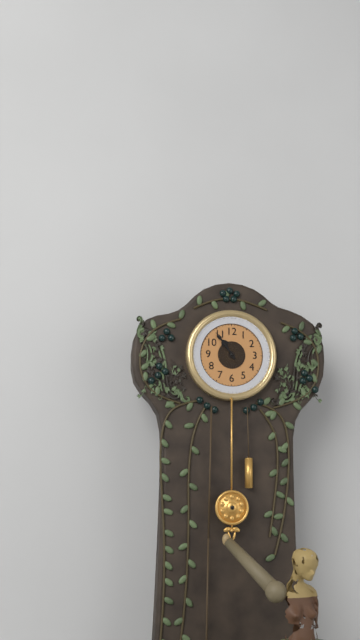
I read 10.54
